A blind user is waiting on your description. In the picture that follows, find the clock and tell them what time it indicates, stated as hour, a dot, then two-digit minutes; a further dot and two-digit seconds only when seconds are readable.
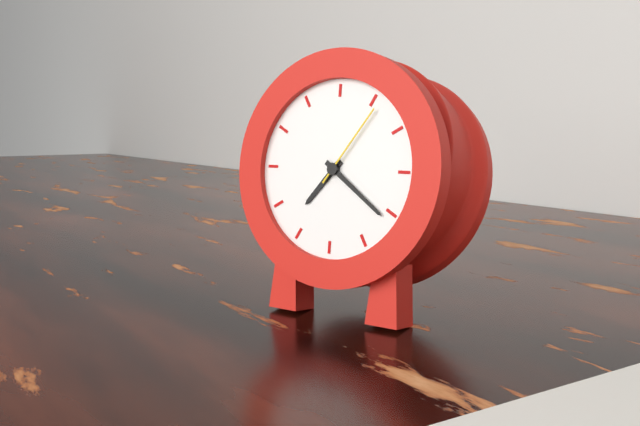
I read 7.21.06
